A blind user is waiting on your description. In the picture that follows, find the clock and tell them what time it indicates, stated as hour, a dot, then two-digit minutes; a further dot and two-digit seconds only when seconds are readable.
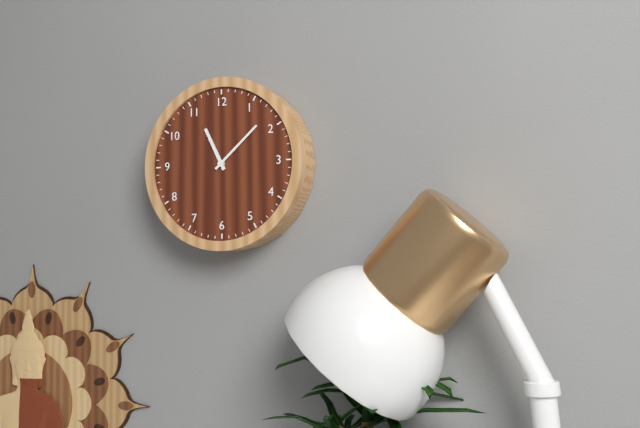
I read 11.08
